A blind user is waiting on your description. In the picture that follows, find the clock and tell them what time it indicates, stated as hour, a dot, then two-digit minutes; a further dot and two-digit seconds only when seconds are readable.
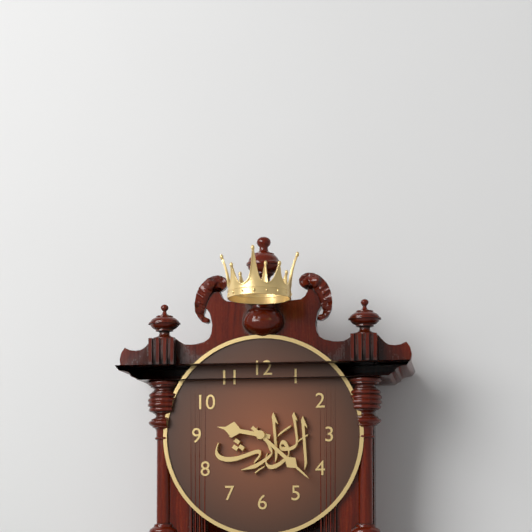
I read 9.22
